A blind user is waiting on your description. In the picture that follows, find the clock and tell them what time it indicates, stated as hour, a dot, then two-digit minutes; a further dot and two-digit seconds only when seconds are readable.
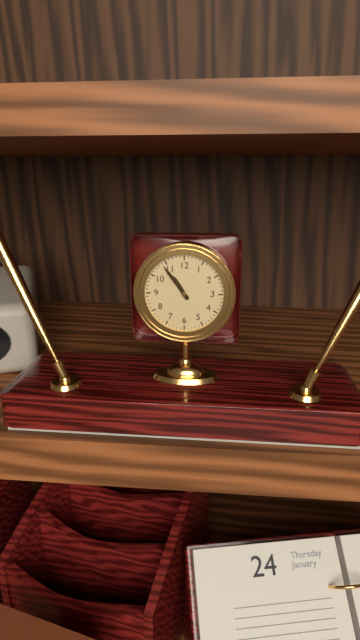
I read 10.54
